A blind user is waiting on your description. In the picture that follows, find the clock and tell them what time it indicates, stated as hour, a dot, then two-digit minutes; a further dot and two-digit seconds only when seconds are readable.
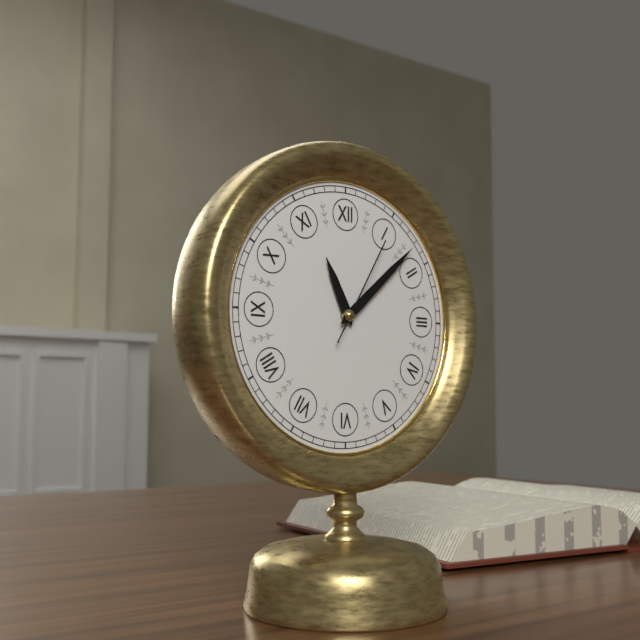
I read 11.08.05
